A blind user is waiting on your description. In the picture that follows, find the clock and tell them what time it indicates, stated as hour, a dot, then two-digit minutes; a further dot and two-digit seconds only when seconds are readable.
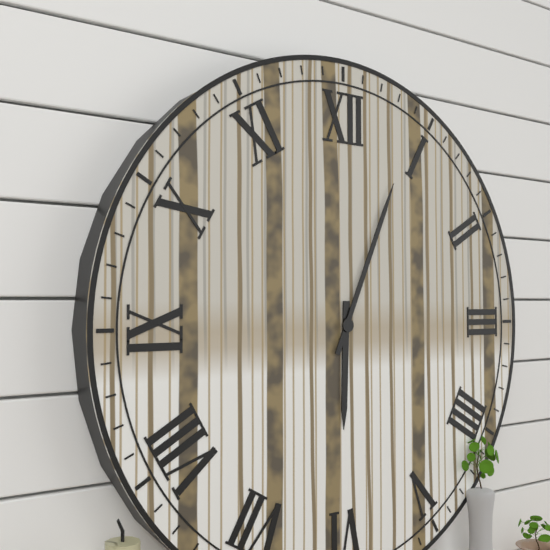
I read 6.04
